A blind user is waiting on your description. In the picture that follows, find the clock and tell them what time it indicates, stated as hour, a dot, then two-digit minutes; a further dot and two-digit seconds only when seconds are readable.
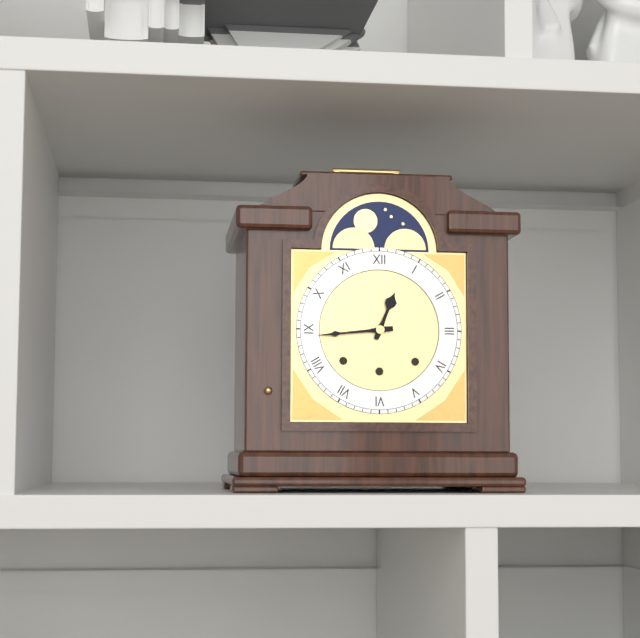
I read 12.44
